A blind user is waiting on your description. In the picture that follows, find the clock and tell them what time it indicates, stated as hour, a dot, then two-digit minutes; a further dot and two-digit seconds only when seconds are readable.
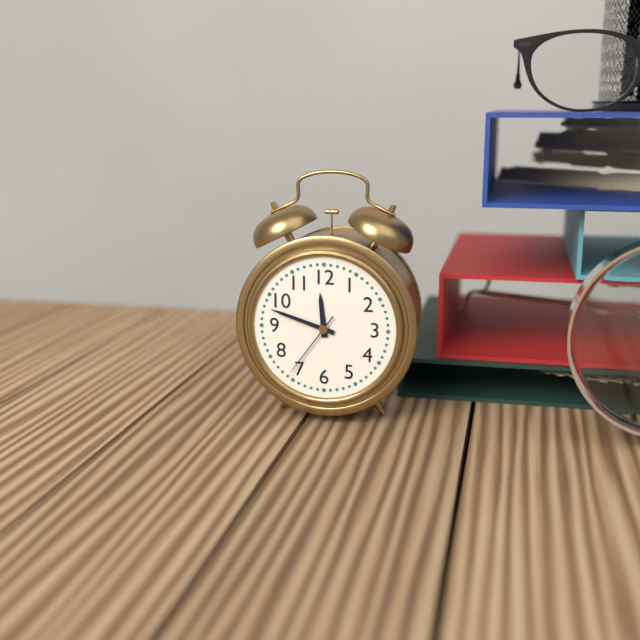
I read 11.48.36
